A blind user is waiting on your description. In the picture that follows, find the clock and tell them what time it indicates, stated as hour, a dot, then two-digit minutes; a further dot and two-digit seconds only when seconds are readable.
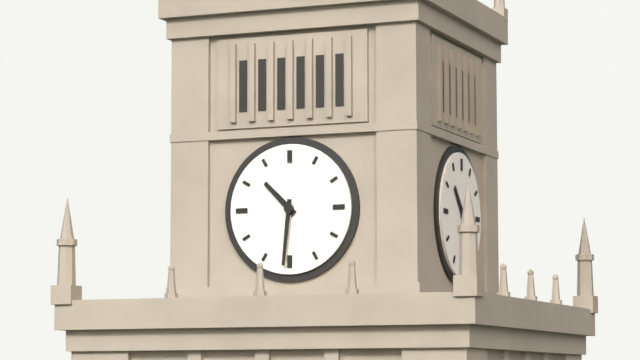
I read 10.31
